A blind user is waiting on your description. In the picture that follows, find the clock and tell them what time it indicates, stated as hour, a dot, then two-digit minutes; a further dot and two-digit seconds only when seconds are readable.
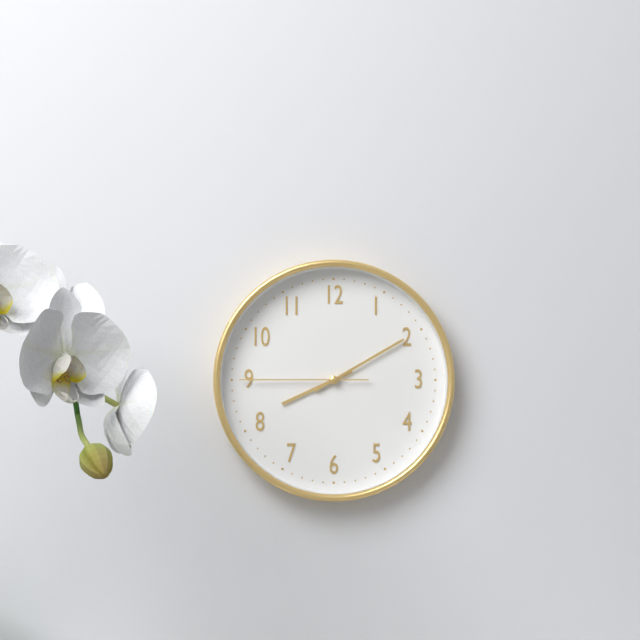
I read 8.10.45
